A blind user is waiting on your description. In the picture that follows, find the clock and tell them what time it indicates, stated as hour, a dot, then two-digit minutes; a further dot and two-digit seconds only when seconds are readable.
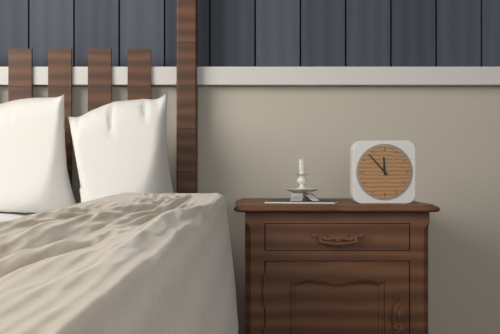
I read 11.53
